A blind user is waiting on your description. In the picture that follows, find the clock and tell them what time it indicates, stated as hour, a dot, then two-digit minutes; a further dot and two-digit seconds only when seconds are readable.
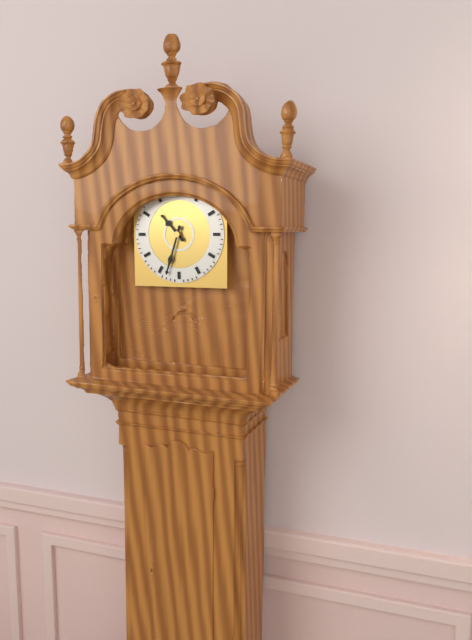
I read 10.33
